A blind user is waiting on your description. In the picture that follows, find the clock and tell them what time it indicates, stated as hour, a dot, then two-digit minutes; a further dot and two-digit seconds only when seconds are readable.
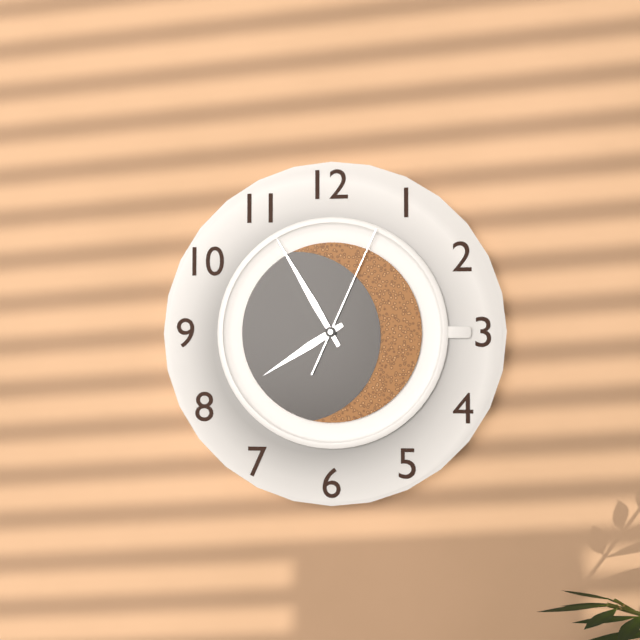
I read 7.55.04
